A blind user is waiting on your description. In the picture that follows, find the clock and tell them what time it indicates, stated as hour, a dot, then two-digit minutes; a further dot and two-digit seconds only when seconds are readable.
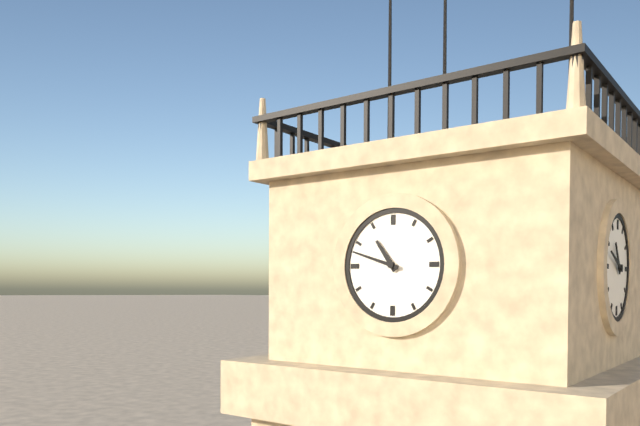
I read 10.48
